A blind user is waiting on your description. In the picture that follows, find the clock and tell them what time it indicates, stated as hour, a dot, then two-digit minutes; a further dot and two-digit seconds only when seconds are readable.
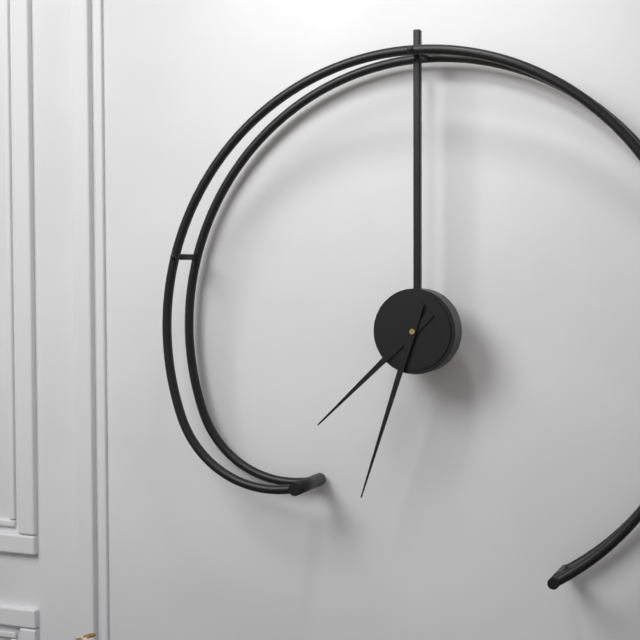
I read 7.33
